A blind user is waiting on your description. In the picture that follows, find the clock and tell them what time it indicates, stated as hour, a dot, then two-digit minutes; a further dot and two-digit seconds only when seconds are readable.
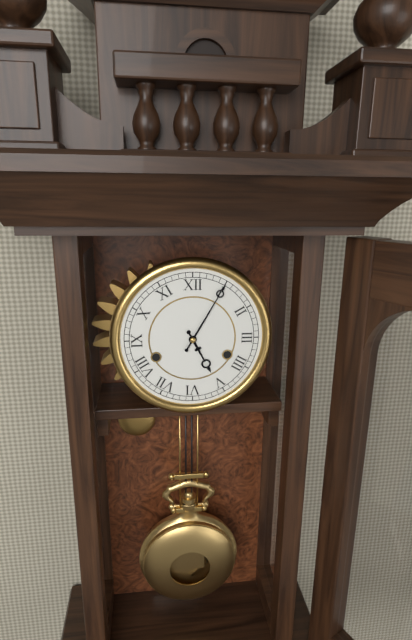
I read 5.05
